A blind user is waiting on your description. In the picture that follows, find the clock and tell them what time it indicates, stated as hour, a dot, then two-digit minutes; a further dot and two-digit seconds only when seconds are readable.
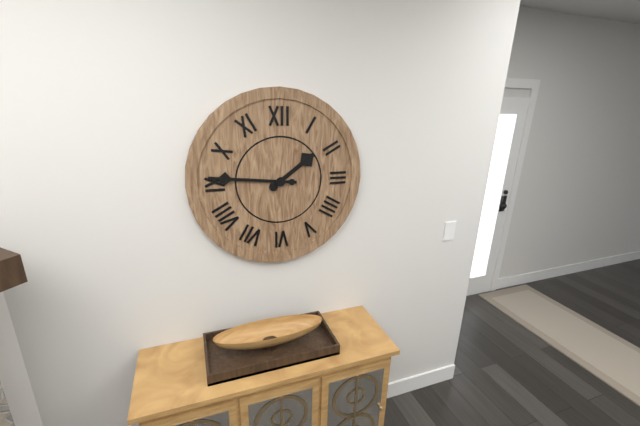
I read 1.46
